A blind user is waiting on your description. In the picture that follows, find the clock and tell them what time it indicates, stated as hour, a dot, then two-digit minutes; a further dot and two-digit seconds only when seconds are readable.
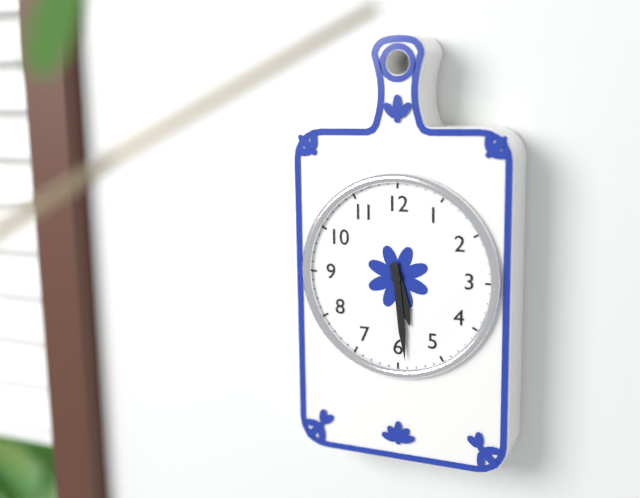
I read 5.29
